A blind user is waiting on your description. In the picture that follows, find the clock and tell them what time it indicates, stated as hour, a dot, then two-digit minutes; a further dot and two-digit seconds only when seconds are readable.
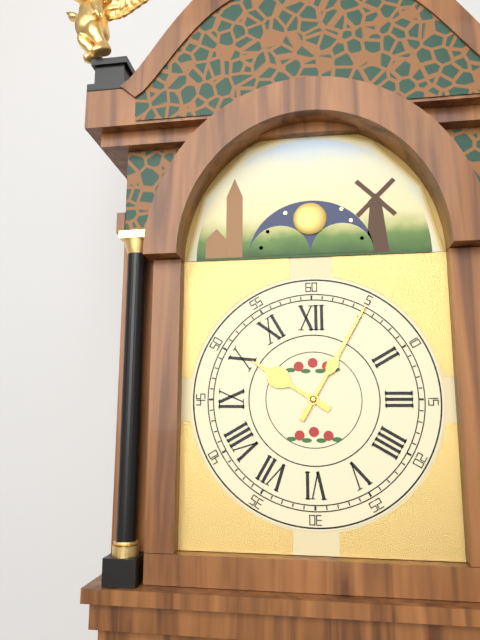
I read 10.05
